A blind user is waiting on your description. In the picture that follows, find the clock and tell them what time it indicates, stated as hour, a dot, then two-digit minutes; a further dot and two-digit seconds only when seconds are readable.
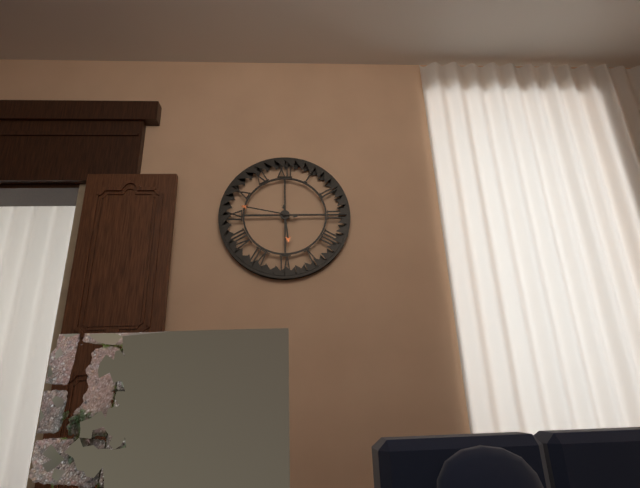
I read 5.47
